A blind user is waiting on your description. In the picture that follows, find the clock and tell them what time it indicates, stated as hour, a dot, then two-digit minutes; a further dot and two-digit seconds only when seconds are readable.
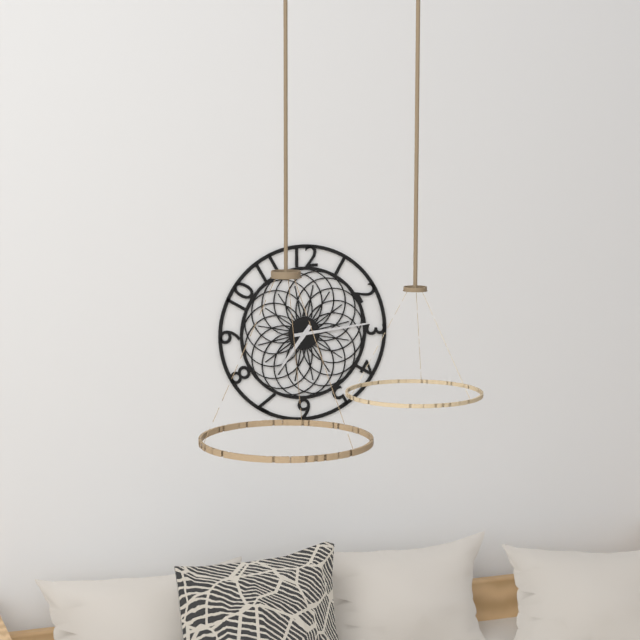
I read 7.14
